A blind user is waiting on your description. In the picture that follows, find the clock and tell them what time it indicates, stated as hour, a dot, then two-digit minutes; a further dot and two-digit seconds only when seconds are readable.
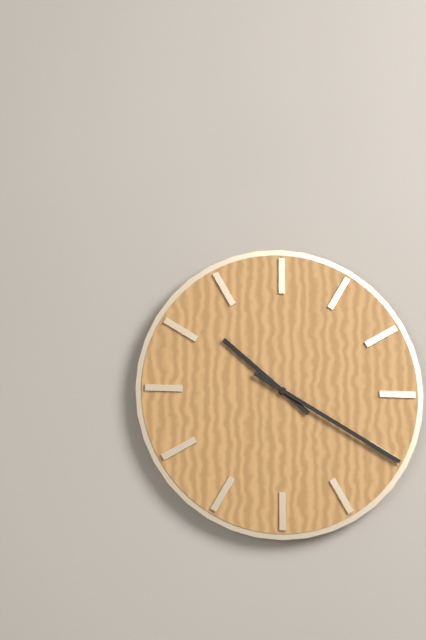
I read 10.20
